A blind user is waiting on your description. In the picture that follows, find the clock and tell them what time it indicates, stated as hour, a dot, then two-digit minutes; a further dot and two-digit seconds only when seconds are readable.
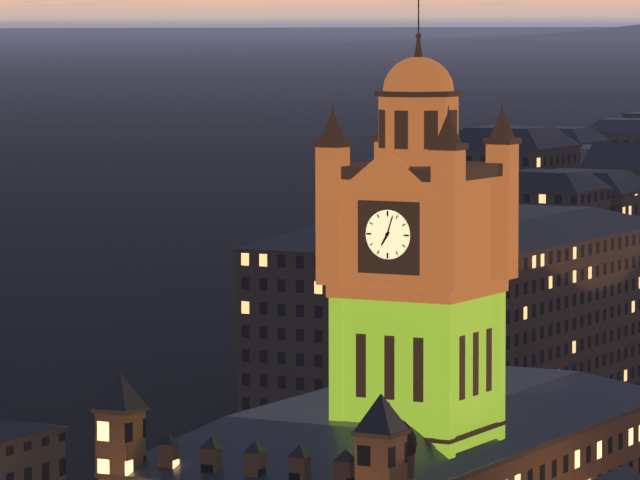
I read 7.03
